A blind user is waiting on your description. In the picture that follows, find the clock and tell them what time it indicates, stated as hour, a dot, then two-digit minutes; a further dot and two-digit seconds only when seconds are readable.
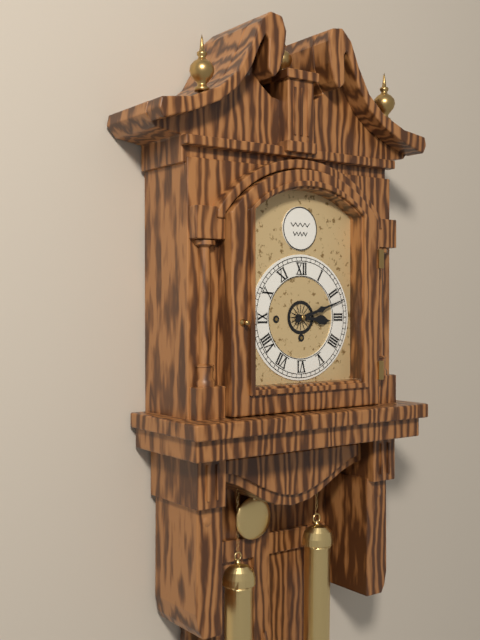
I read 3.12
